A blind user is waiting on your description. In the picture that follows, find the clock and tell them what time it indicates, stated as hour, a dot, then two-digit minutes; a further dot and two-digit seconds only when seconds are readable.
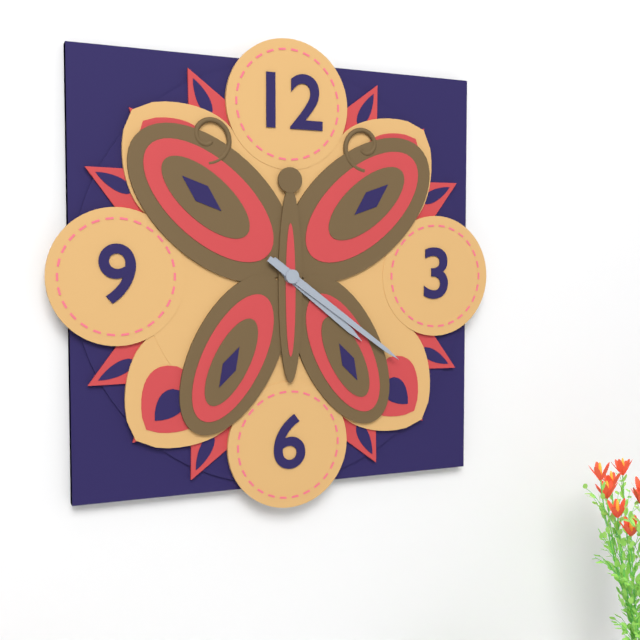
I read 4.21
